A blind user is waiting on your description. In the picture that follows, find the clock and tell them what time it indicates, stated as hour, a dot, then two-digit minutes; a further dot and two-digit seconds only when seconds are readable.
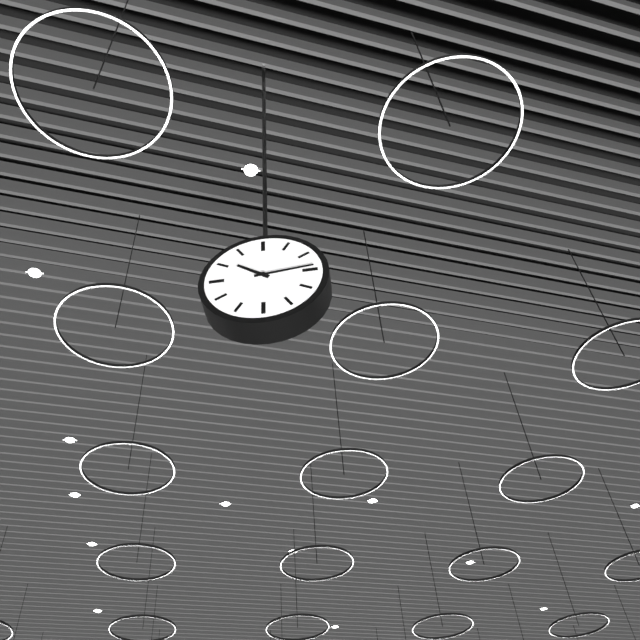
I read 10.14
